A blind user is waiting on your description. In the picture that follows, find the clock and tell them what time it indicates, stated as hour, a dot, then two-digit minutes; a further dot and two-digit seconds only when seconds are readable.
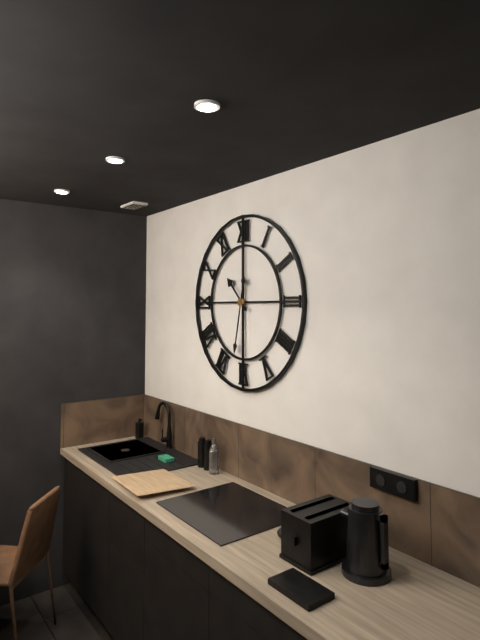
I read 10.32
